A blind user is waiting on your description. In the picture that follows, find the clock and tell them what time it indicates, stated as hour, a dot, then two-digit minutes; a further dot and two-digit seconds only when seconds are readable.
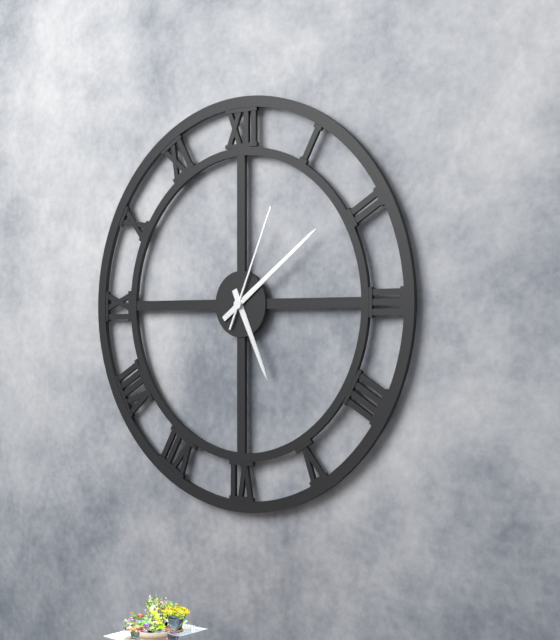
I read 5.09.04
